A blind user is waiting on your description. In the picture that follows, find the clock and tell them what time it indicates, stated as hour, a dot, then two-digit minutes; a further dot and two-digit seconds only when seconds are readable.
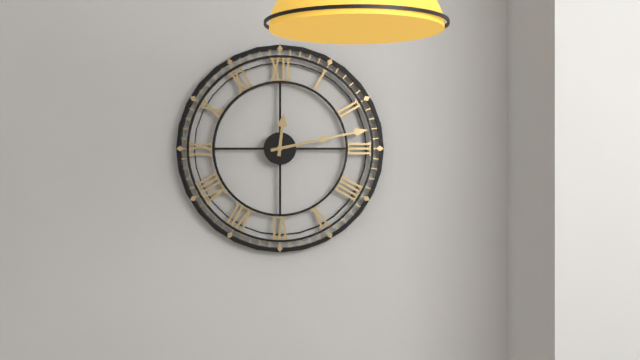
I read 12.13
